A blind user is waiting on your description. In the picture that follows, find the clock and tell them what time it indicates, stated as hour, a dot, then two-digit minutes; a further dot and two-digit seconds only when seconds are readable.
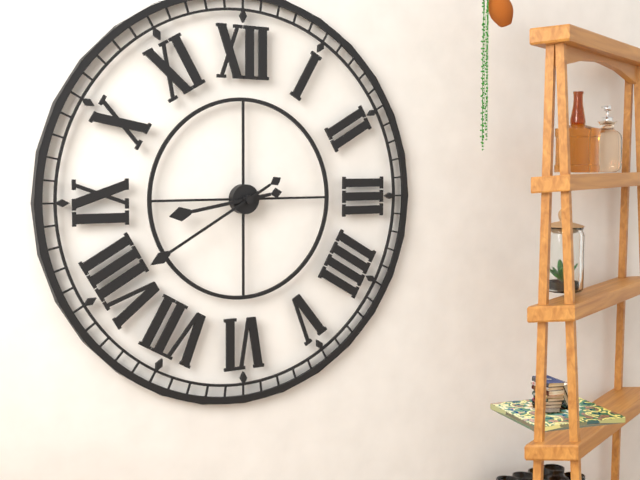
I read 8.40
